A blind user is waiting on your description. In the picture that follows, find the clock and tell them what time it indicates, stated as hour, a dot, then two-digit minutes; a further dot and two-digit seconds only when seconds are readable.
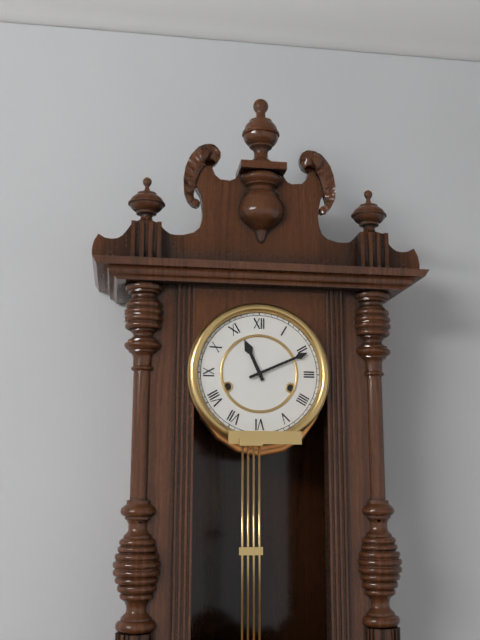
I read 11.11
